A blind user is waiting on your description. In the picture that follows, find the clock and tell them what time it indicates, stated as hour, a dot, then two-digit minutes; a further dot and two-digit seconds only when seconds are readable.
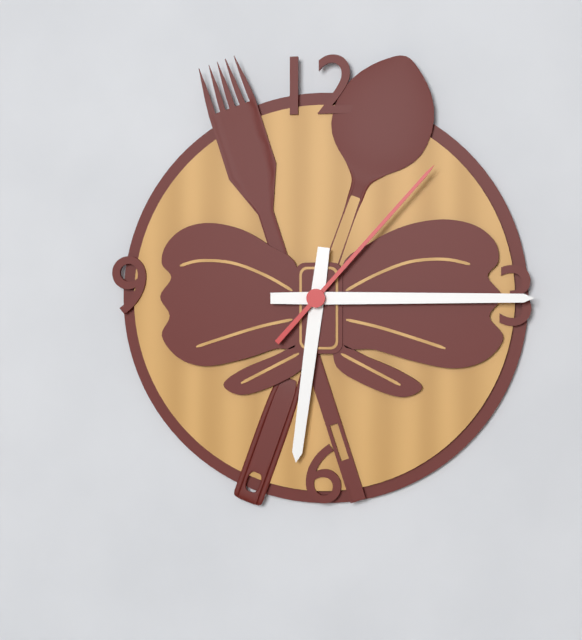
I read 6.15.07
